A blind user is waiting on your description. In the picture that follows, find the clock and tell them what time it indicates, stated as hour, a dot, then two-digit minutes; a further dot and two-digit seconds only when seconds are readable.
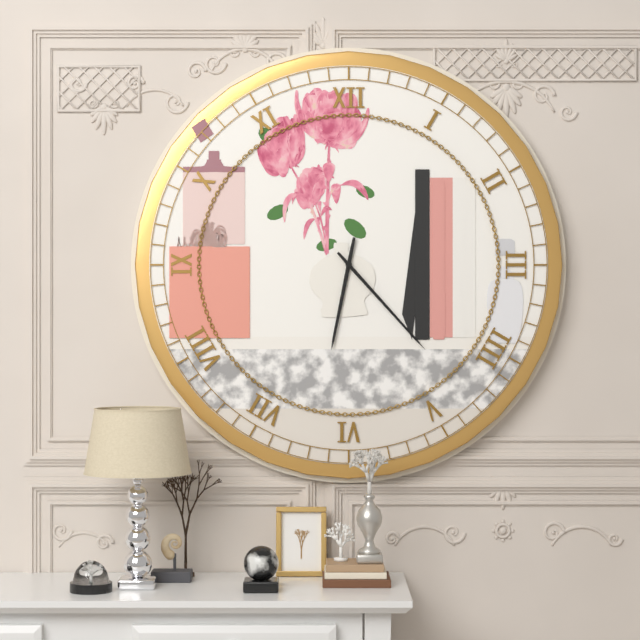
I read 6.23
